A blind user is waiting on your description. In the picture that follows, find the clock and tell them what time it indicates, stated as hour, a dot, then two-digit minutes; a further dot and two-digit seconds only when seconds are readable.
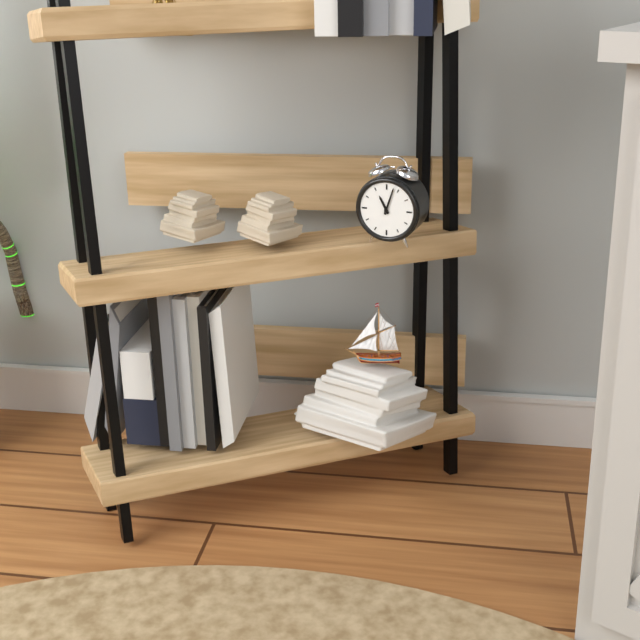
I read 11.03
